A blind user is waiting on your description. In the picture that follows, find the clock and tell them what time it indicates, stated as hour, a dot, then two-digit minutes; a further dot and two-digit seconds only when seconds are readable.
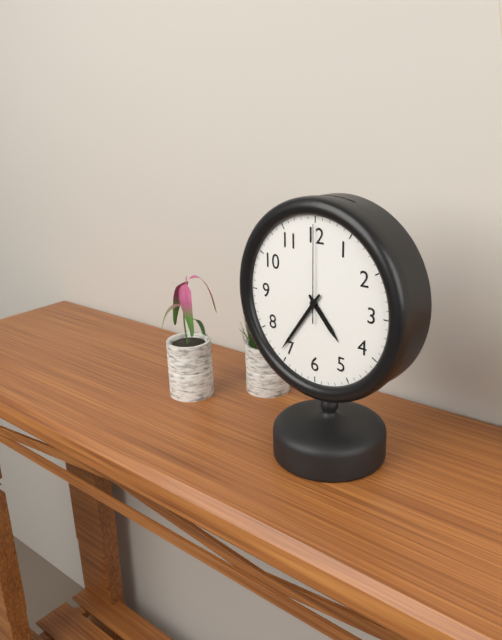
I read 4.36.00
